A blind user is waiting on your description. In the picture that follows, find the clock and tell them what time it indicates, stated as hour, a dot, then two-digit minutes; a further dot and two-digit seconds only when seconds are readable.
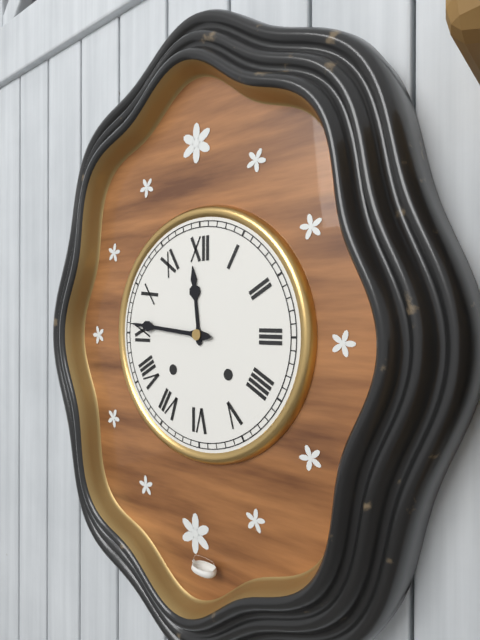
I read 11.46
